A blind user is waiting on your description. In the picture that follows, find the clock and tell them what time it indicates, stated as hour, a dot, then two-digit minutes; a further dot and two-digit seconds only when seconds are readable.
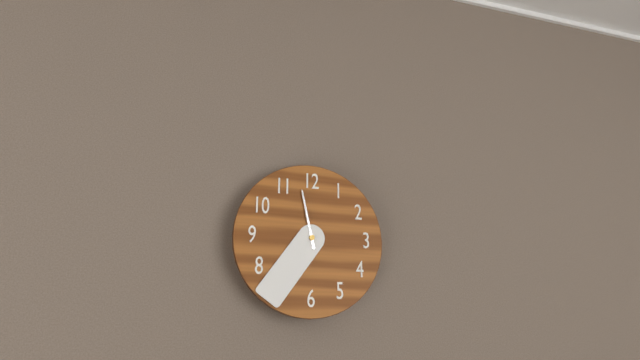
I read 11.36
